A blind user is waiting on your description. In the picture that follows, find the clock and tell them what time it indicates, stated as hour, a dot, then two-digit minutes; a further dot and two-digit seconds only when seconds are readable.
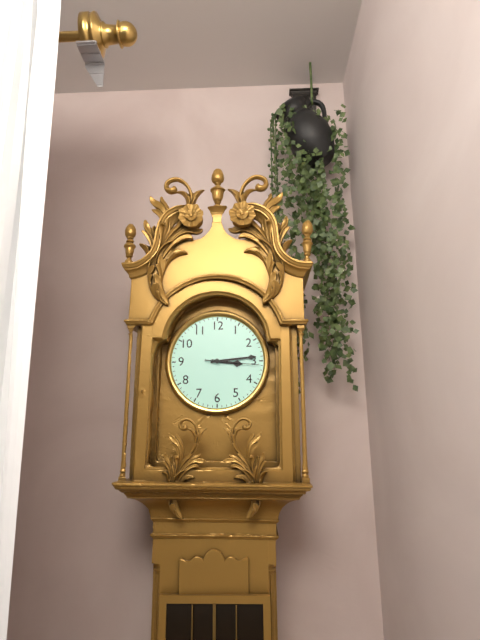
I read 3.14.16
